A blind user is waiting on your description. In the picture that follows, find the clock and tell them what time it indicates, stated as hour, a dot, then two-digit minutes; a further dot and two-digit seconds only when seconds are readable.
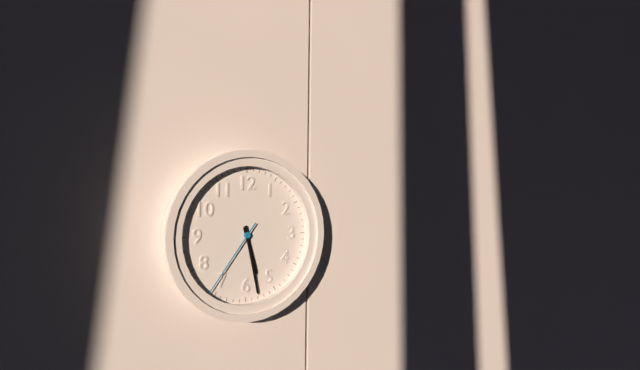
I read 5.28.36
